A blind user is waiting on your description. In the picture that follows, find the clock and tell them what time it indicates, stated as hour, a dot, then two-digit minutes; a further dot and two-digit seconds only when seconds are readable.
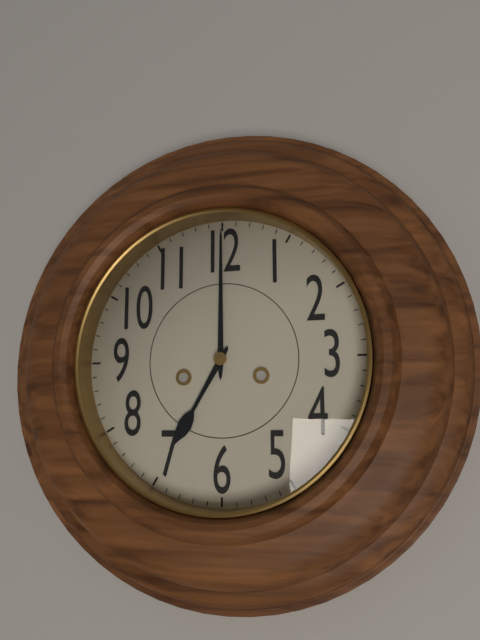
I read 7.00
